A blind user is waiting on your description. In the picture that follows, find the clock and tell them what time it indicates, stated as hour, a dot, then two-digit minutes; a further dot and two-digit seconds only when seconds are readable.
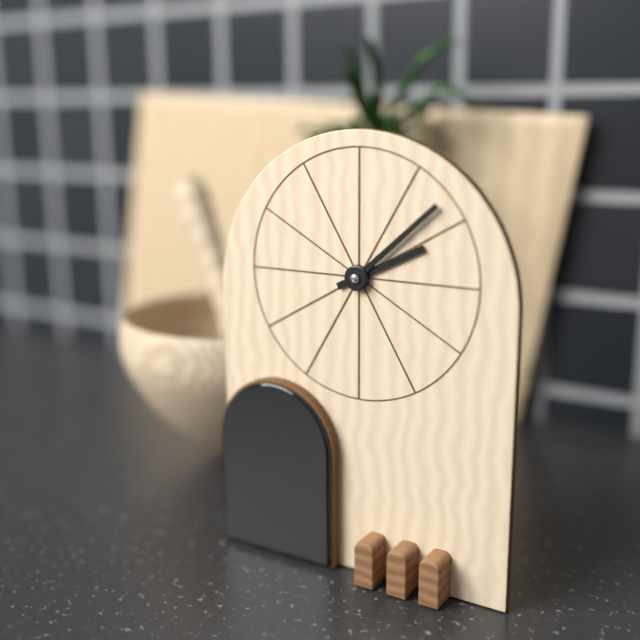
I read 2.08
